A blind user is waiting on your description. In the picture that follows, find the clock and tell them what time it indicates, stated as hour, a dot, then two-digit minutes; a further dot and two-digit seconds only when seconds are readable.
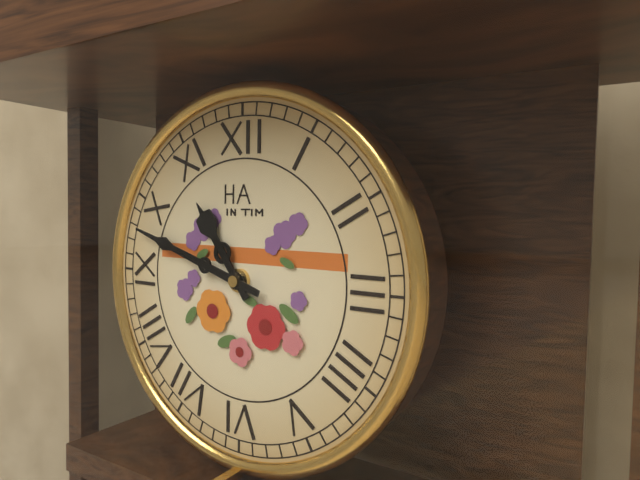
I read 10.48
